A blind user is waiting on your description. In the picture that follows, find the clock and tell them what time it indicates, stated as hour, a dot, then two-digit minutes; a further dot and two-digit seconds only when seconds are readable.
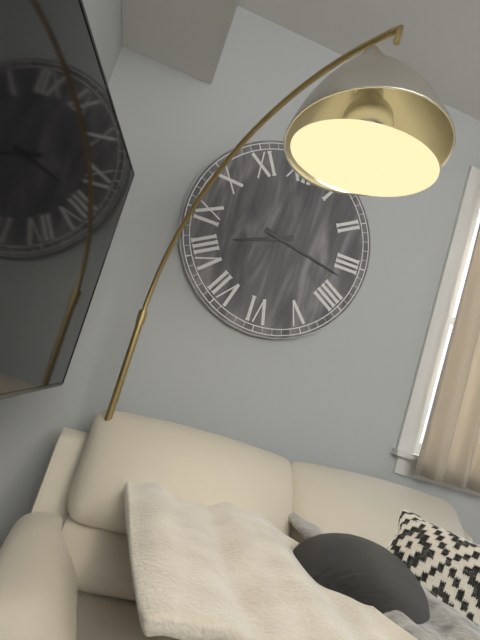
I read 8.17
